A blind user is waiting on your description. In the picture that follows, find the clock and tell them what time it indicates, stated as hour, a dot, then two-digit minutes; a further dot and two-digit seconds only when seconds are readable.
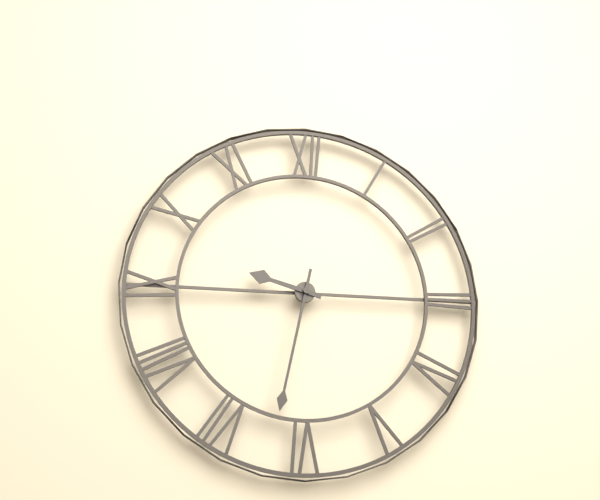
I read 9.32
